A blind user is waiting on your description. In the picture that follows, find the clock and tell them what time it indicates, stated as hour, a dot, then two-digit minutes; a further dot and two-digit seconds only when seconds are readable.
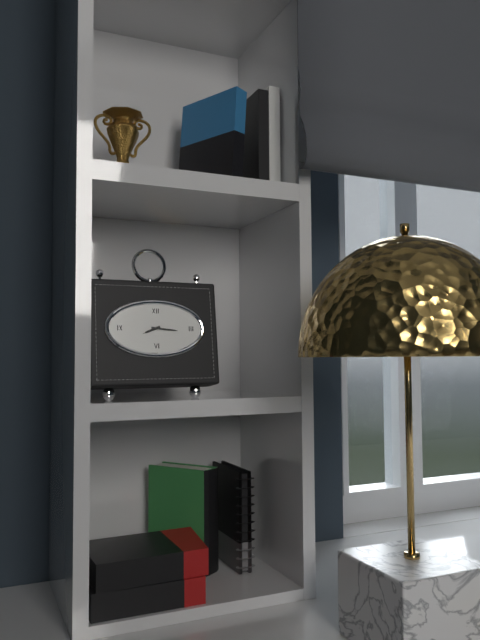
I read 8.16
